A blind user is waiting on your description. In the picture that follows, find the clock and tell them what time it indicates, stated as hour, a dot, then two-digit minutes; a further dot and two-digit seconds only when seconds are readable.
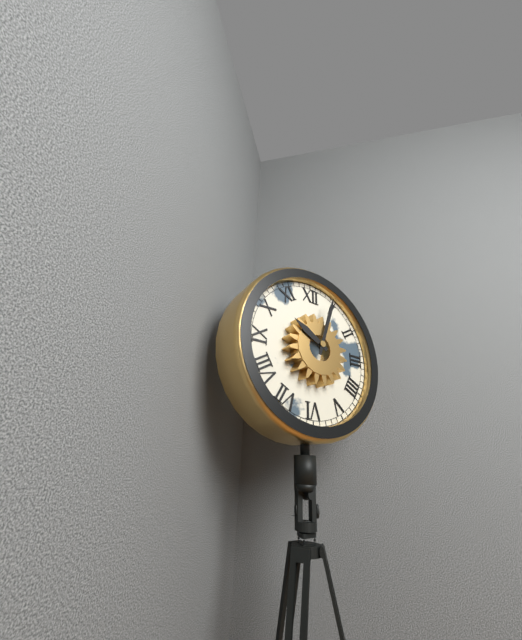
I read 10.03
